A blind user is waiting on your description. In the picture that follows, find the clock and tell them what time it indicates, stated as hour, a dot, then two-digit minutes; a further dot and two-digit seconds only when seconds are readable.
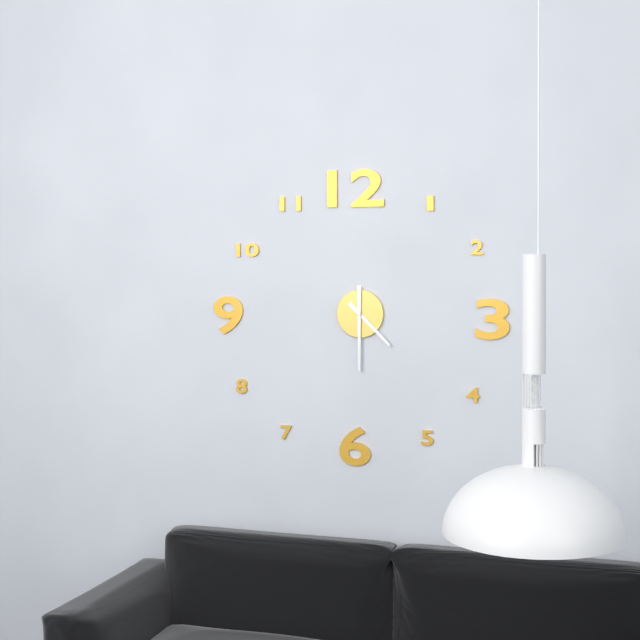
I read 4.30
